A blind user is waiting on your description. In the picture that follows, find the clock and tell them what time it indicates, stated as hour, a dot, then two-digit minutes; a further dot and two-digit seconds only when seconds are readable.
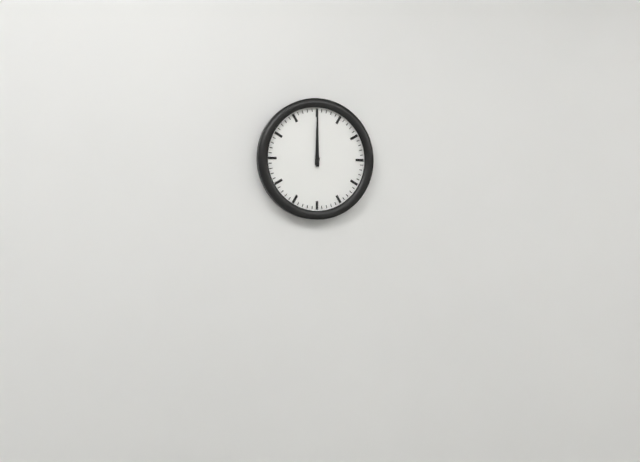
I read 12.00
